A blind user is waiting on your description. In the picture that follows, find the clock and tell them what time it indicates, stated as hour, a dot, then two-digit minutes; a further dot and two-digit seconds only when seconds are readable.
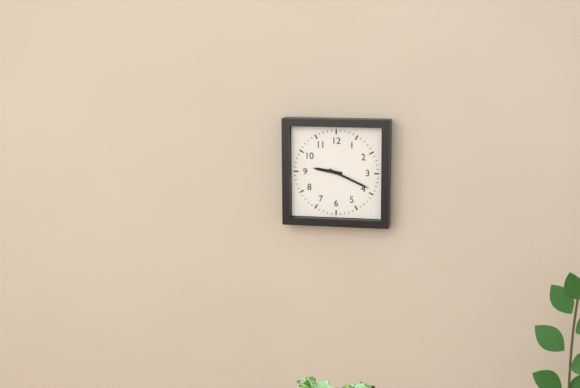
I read 9.19
